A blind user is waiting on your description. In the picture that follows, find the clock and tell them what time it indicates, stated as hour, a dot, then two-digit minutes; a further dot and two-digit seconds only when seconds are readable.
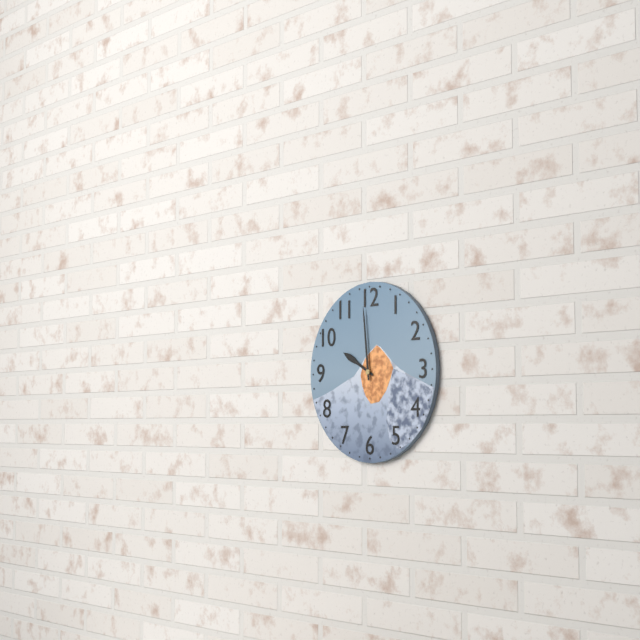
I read 9.59
